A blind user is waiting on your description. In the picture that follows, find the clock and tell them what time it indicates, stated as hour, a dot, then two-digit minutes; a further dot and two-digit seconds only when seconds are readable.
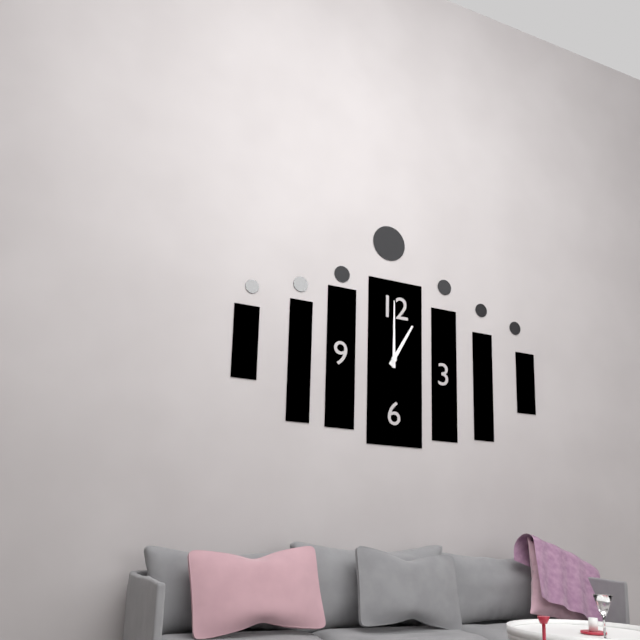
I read 1.00
